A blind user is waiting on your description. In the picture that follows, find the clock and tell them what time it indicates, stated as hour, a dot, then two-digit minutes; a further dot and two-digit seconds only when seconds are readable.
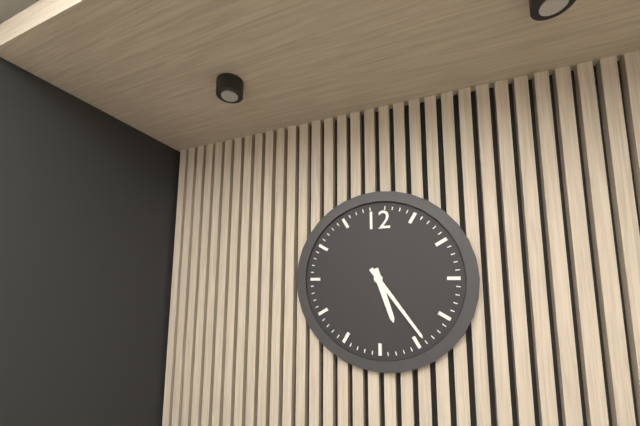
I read 5.24
